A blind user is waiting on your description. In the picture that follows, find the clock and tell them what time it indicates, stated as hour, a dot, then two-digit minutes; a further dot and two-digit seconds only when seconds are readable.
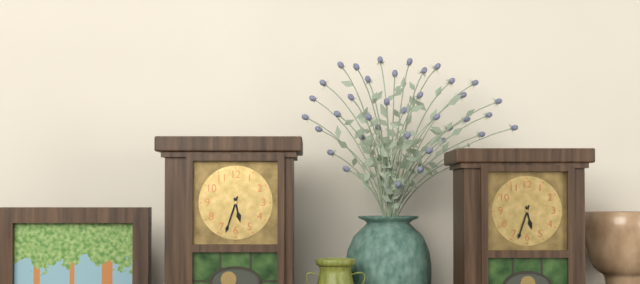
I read 5.33
